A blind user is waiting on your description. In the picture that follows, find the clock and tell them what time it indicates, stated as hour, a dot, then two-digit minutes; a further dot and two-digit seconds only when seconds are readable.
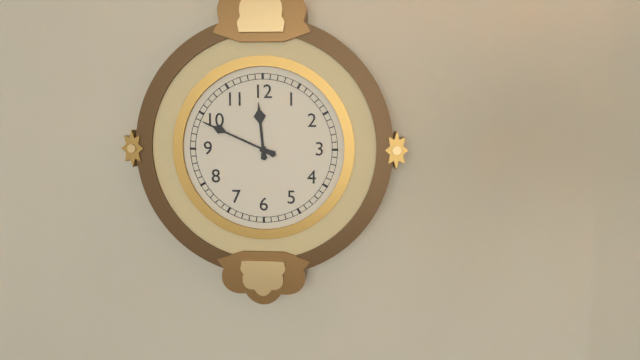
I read 11.49
